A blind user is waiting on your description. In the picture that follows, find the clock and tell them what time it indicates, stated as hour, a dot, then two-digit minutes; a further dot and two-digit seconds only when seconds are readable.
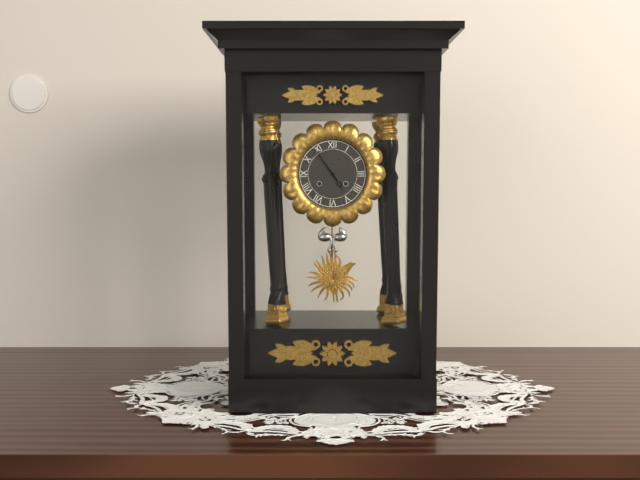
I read 4.54
